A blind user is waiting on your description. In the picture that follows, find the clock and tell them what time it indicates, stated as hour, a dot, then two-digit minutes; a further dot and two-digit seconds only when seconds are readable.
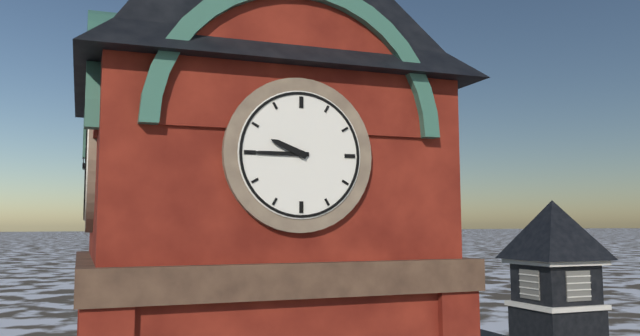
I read 9.45
